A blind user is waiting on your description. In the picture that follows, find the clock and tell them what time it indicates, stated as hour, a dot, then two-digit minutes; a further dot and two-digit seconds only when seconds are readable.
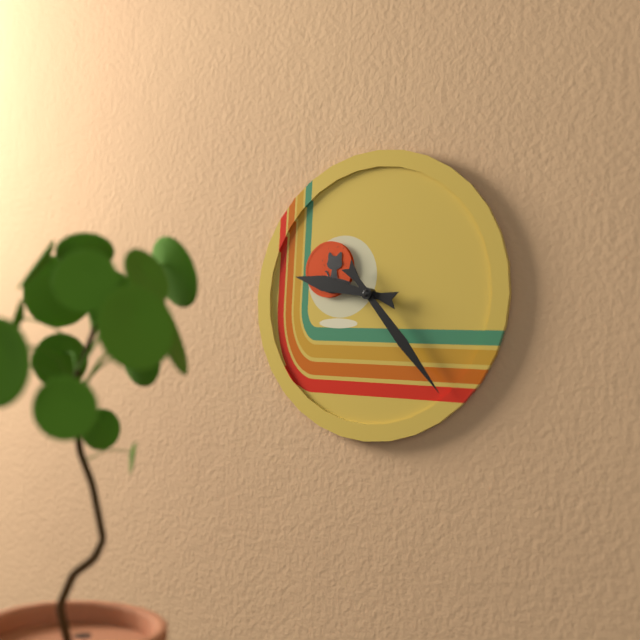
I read 9.23
